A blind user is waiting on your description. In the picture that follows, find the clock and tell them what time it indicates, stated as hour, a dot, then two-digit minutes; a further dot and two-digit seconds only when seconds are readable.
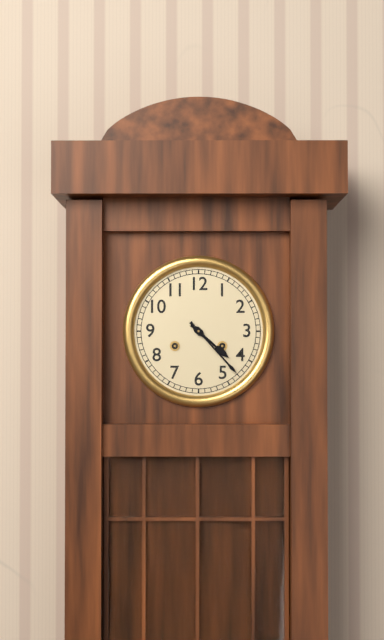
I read 4.23
